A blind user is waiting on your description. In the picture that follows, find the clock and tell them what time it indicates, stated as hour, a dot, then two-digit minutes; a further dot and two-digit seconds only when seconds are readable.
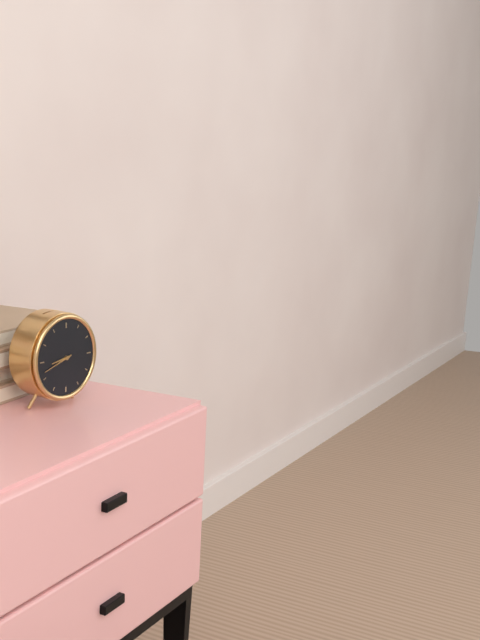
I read 8.42
